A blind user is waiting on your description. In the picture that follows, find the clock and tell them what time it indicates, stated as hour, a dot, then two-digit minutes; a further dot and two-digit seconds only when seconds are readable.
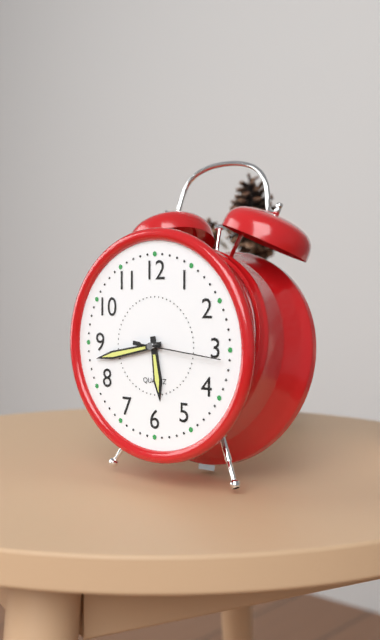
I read 5.43.16
